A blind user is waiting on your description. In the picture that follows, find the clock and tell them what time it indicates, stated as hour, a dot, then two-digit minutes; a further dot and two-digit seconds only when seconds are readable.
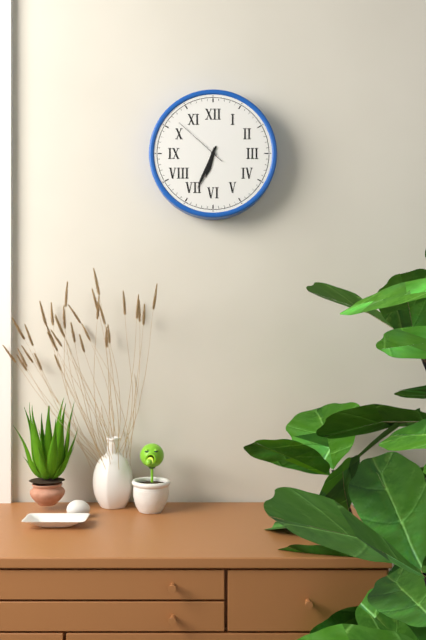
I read 6.34.52
